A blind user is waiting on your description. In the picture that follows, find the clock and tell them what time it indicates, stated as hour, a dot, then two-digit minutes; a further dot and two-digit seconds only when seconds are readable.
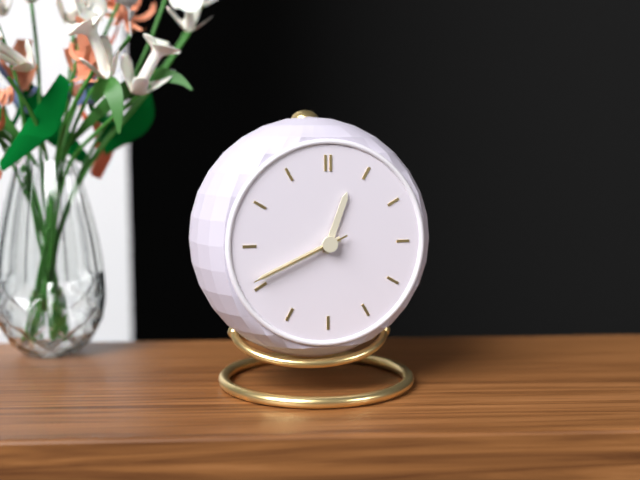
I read 12.41.41
